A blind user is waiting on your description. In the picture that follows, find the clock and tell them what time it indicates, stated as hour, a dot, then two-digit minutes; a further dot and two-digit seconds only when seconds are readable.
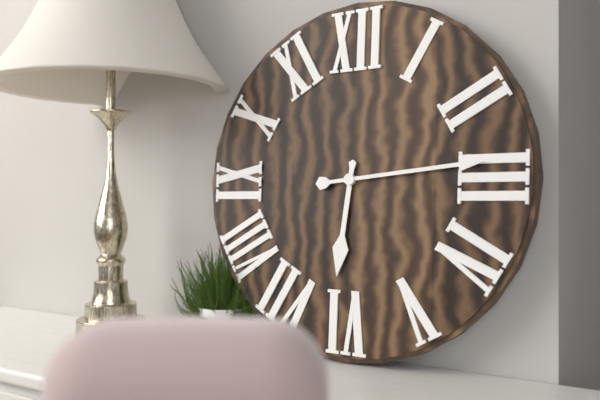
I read 6.14
